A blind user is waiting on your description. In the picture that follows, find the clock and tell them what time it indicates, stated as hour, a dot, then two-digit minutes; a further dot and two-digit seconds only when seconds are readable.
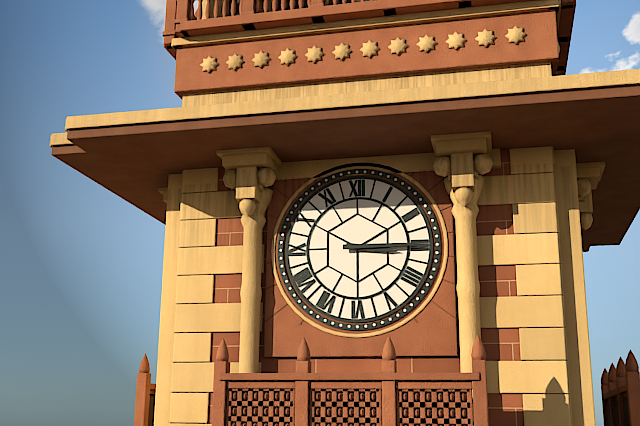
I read 3.15
